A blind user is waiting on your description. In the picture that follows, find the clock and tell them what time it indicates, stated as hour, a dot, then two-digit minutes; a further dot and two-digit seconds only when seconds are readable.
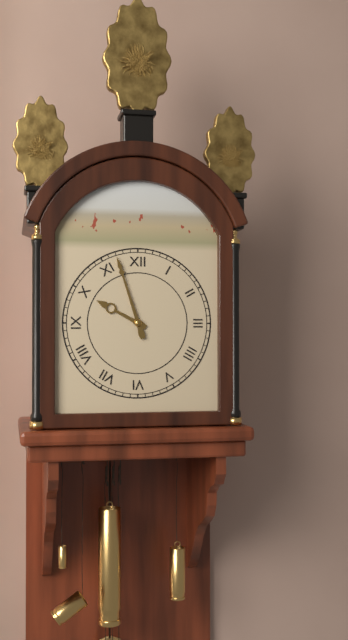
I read 9.57
